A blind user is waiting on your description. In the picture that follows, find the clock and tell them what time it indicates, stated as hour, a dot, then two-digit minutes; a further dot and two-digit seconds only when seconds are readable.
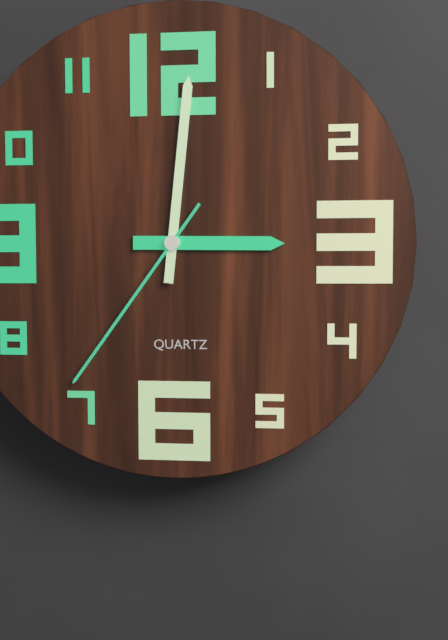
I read 3.01.36
